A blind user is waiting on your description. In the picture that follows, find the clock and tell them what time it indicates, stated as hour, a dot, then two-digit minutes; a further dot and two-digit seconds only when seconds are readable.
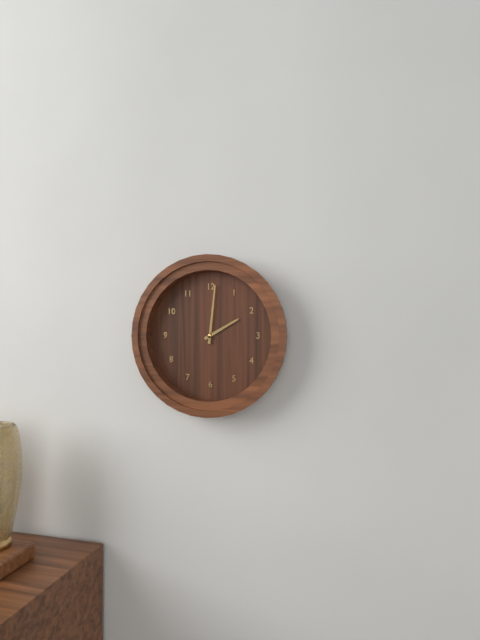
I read 2.01
